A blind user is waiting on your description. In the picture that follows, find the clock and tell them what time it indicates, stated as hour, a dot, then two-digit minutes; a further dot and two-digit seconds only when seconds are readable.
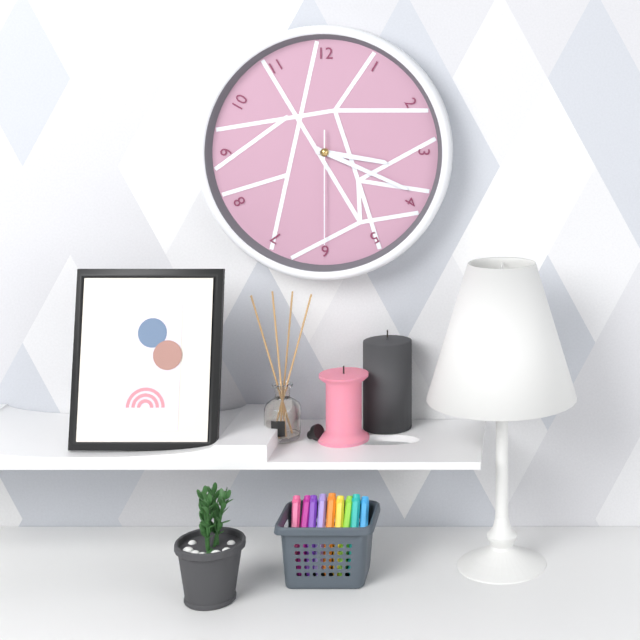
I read 3.19.30
